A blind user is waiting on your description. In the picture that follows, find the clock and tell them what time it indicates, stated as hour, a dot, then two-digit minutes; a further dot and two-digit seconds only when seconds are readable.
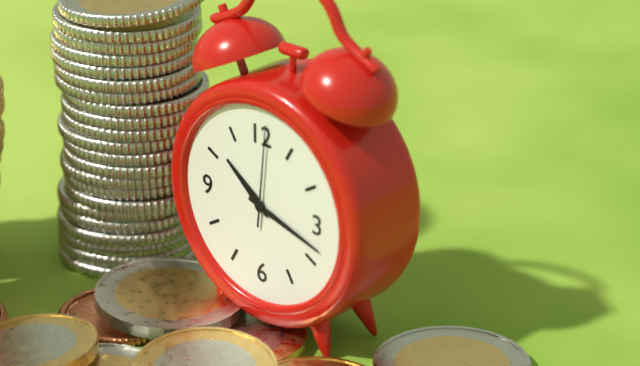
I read 10.18.01
